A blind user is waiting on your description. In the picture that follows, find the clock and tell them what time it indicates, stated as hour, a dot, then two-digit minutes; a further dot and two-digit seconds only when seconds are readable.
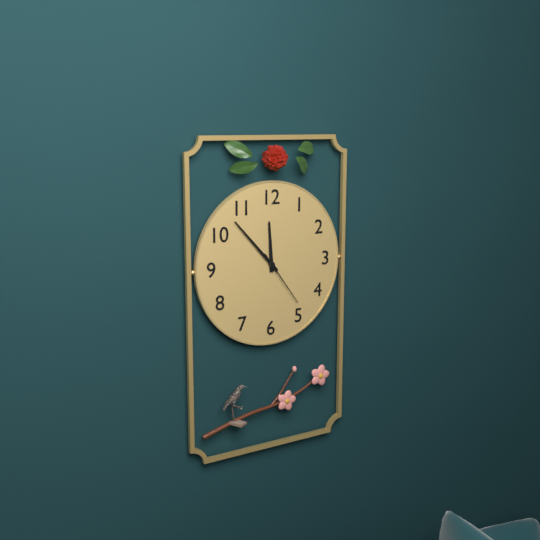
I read 11.53.24
